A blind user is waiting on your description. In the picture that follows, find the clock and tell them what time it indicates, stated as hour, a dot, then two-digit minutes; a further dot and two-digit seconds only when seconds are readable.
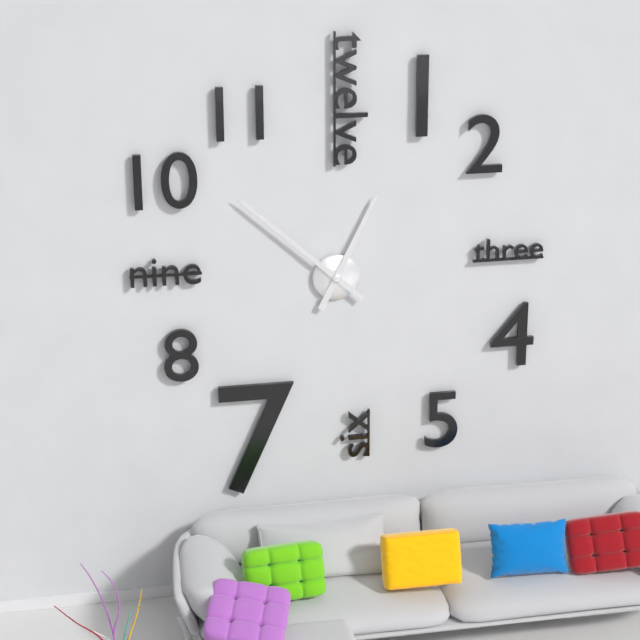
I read 12.52
